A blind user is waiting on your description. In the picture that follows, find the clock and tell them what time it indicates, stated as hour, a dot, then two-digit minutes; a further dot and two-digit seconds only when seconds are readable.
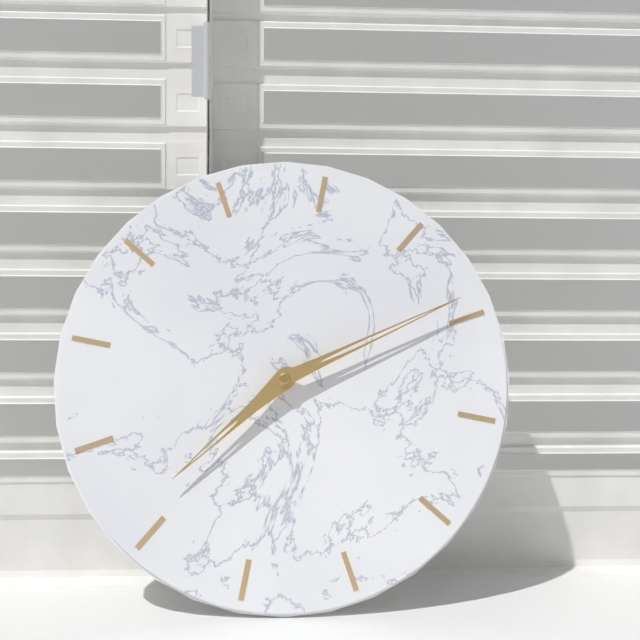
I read 8.14
